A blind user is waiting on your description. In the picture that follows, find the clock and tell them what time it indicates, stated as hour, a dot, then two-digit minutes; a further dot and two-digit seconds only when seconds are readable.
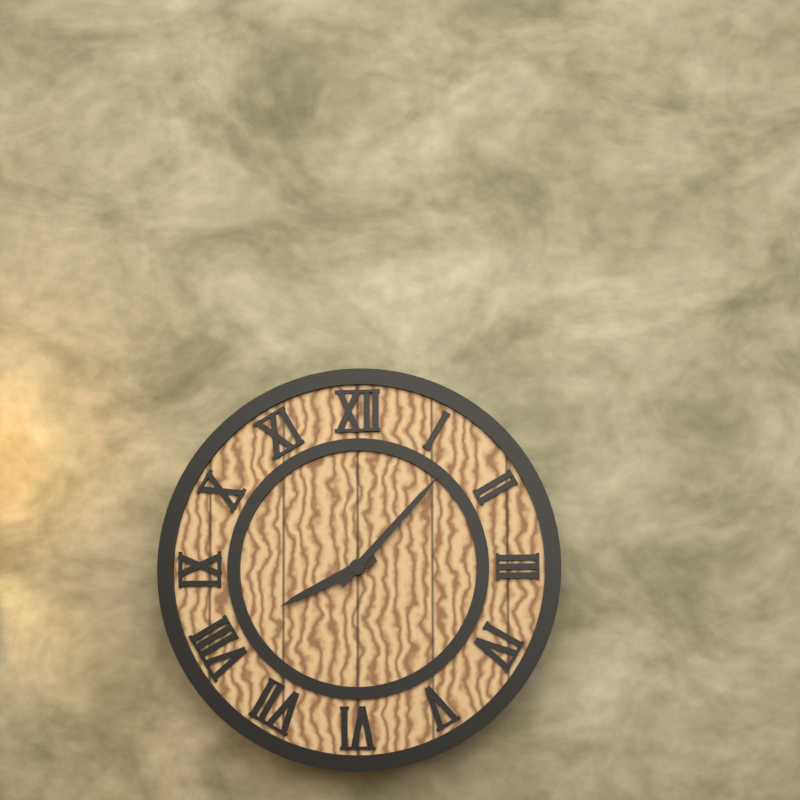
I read 8.07
